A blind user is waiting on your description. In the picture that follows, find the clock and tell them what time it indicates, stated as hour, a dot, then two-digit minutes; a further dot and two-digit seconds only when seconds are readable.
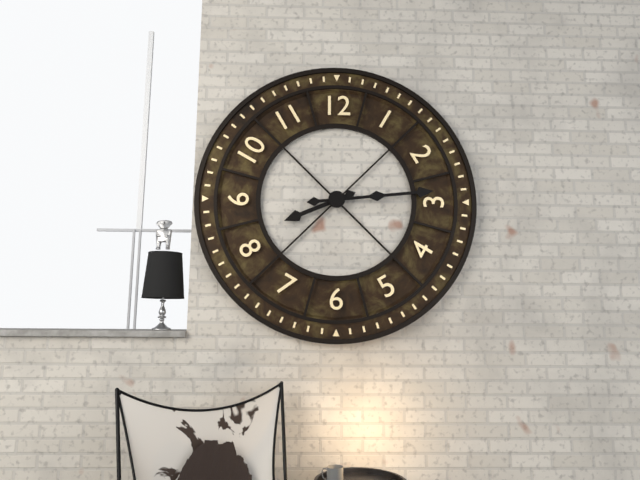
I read 8.14
